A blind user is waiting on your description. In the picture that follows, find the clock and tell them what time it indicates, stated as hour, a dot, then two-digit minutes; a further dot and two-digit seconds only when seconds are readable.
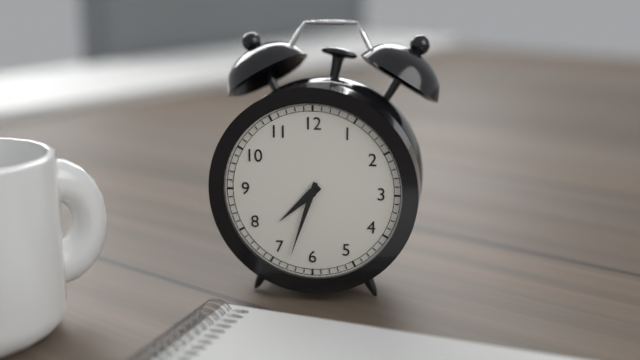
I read 7.33
